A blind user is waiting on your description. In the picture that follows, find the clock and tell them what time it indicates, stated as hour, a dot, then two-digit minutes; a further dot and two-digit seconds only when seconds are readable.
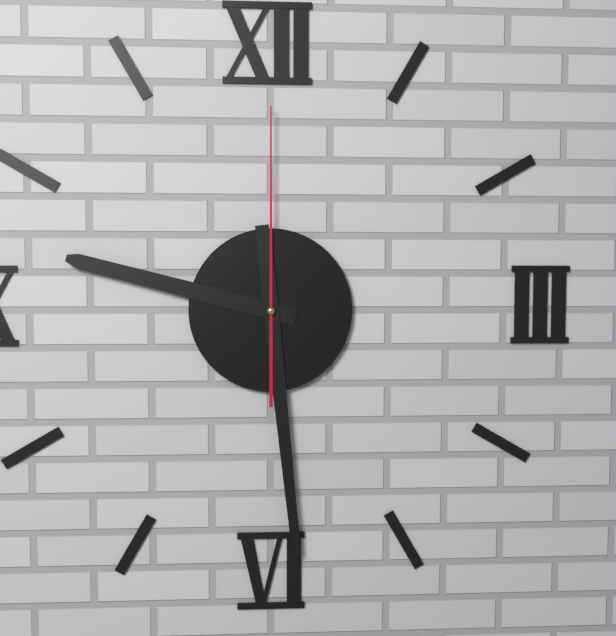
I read 9.29.00
